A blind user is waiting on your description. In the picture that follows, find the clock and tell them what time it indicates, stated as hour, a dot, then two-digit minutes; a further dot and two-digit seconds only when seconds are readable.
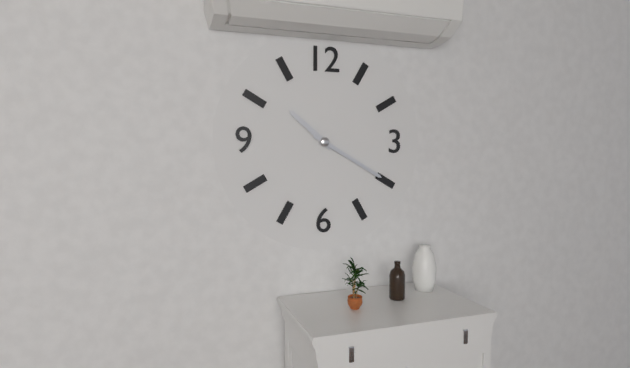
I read 10.20
